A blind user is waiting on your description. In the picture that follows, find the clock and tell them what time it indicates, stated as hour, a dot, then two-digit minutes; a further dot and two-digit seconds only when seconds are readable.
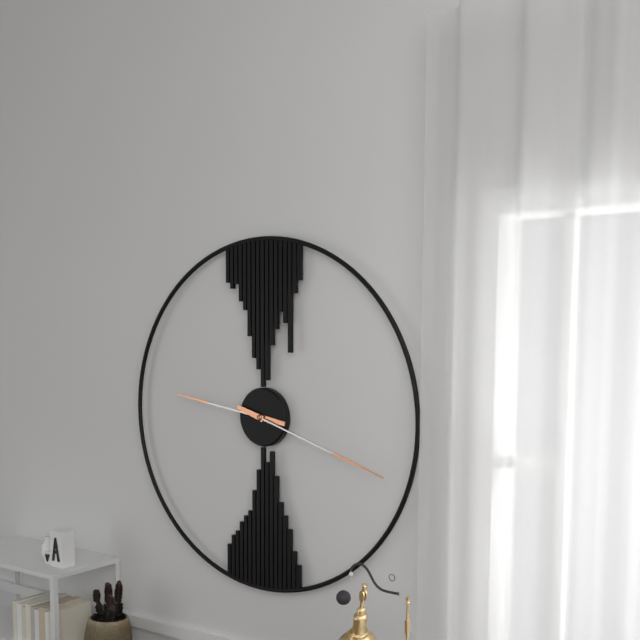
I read 9.18
